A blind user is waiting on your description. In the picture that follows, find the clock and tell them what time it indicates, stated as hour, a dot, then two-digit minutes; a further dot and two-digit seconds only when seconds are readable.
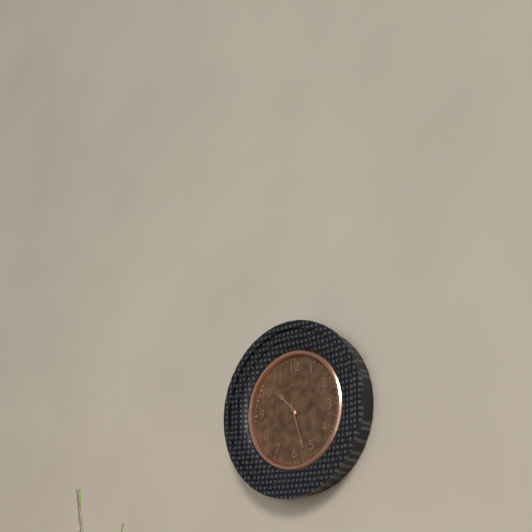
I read 10.27
